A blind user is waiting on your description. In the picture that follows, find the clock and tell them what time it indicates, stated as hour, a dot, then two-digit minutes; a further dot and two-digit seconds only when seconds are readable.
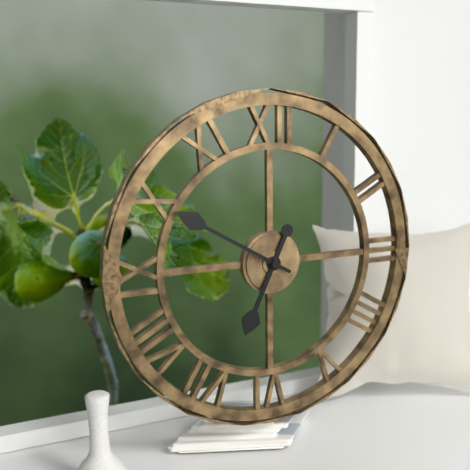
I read 6.50
